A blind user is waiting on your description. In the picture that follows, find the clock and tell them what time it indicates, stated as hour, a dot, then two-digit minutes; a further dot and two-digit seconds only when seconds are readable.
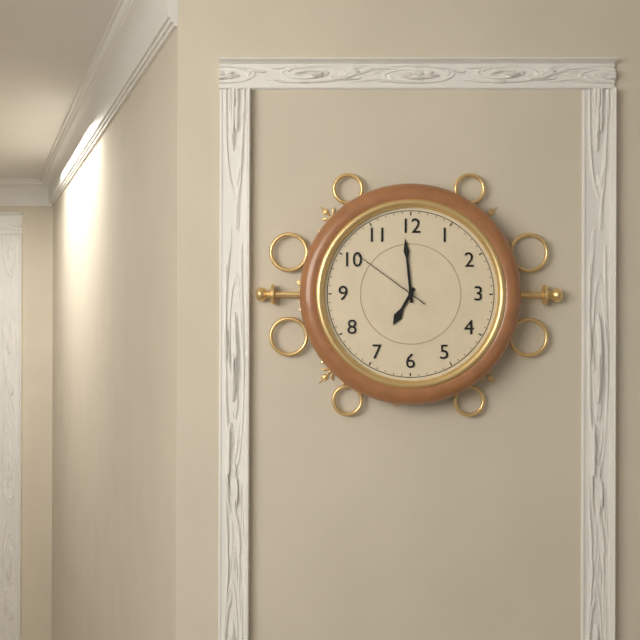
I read 6.59.51
